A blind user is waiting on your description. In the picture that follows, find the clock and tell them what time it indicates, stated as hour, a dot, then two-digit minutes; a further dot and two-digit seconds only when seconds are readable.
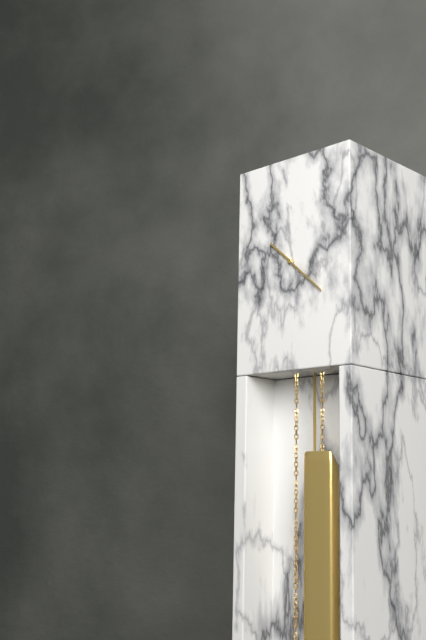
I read 10.22
